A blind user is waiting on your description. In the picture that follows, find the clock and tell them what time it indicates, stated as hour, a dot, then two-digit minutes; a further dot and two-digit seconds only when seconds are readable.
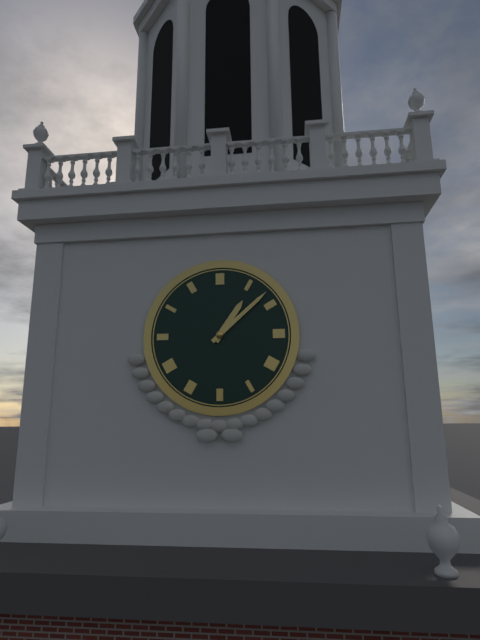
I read 1.08
